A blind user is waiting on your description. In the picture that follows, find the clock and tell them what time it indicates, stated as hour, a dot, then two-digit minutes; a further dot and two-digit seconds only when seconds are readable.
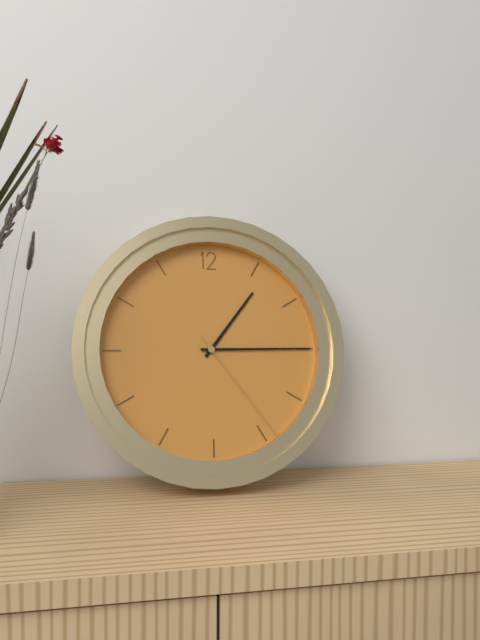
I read 1.15.24
